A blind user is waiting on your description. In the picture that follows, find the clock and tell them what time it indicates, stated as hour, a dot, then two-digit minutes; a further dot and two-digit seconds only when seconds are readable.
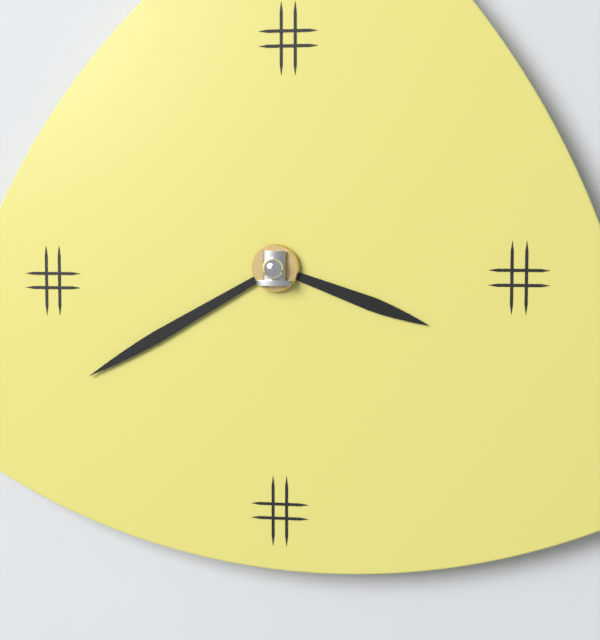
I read 3.40
